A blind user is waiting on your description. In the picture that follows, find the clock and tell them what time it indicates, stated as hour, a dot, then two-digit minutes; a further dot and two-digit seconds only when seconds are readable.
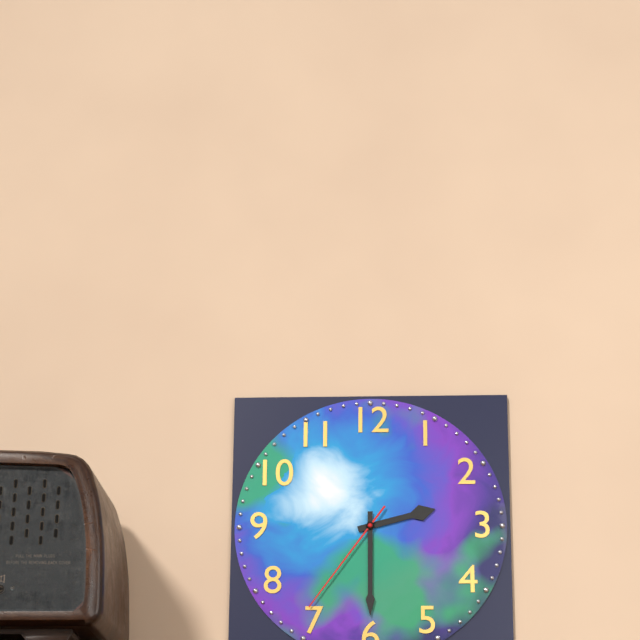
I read 2.30.36
